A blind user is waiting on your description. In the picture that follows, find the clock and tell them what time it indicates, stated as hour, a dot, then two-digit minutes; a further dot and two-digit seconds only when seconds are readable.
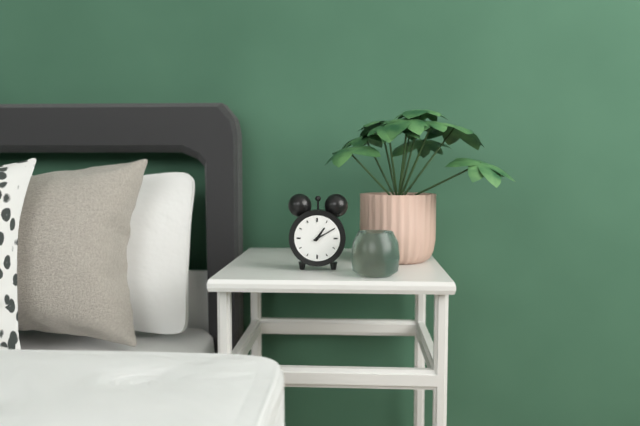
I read 1.10
